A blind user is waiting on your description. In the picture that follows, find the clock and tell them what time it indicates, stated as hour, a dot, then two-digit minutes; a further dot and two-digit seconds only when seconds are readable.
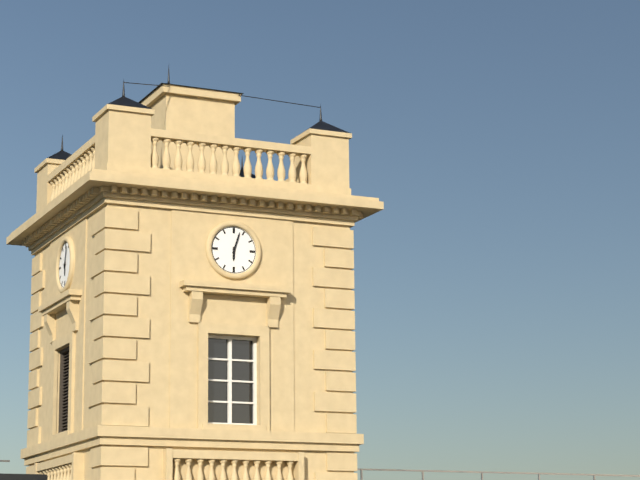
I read 6.03
